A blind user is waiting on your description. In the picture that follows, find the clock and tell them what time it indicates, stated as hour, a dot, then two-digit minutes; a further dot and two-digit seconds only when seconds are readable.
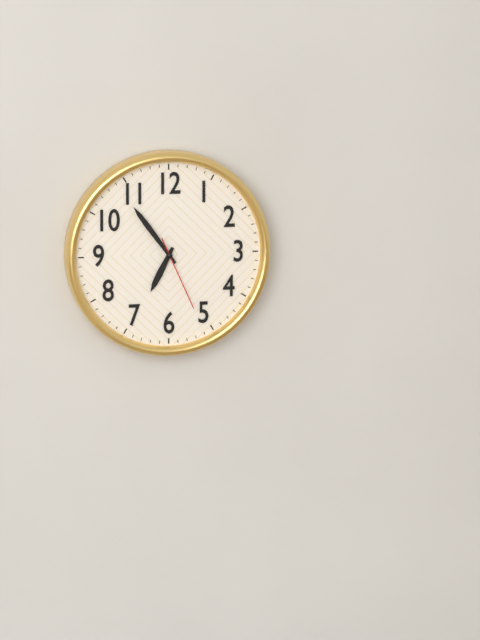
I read 6.54.26
